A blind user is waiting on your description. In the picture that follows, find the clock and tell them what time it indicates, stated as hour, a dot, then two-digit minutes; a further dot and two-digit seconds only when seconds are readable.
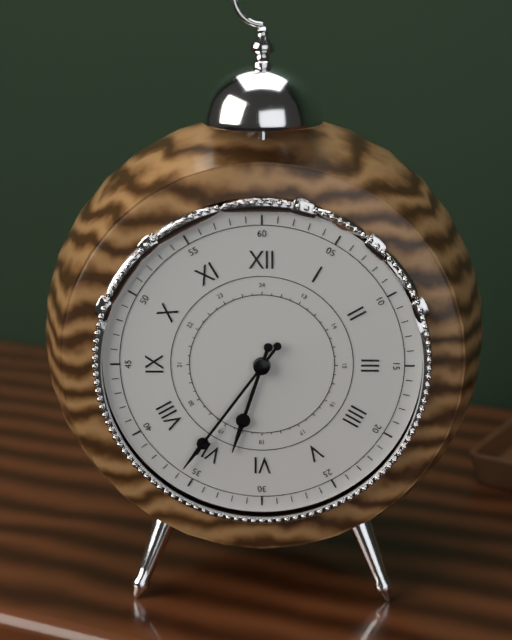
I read 6.36
